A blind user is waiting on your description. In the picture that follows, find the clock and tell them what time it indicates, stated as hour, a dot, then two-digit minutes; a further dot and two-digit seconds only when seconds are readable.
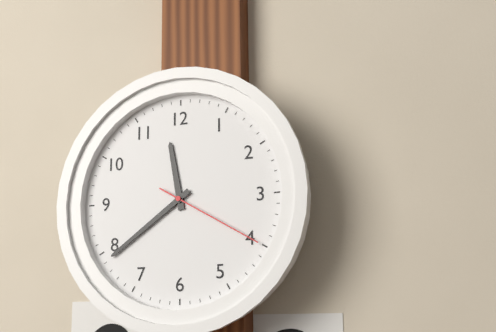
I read 11.39.20
